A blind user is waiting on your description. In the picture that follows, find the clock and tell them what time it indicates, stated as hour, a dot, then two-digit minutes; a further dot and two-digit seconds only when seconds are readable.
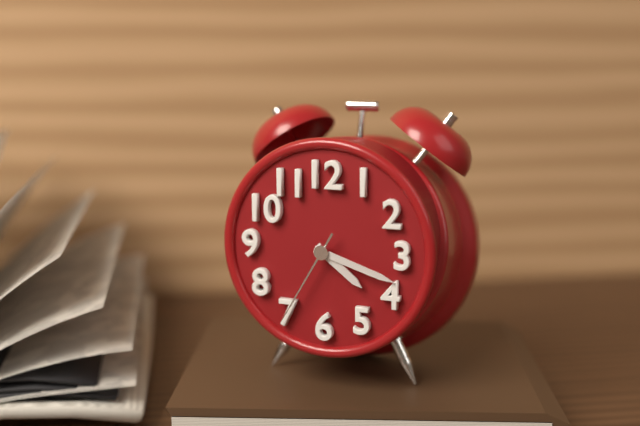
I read 4.18.35
